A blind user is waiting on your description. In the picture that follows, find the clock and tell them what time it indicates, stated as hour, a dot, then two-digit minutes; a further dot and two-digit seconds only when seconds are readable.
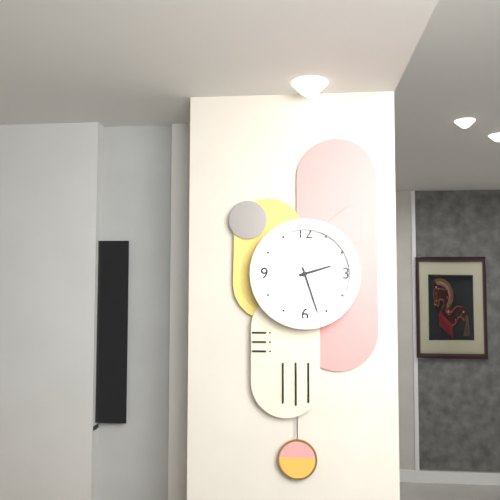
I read 2.27
